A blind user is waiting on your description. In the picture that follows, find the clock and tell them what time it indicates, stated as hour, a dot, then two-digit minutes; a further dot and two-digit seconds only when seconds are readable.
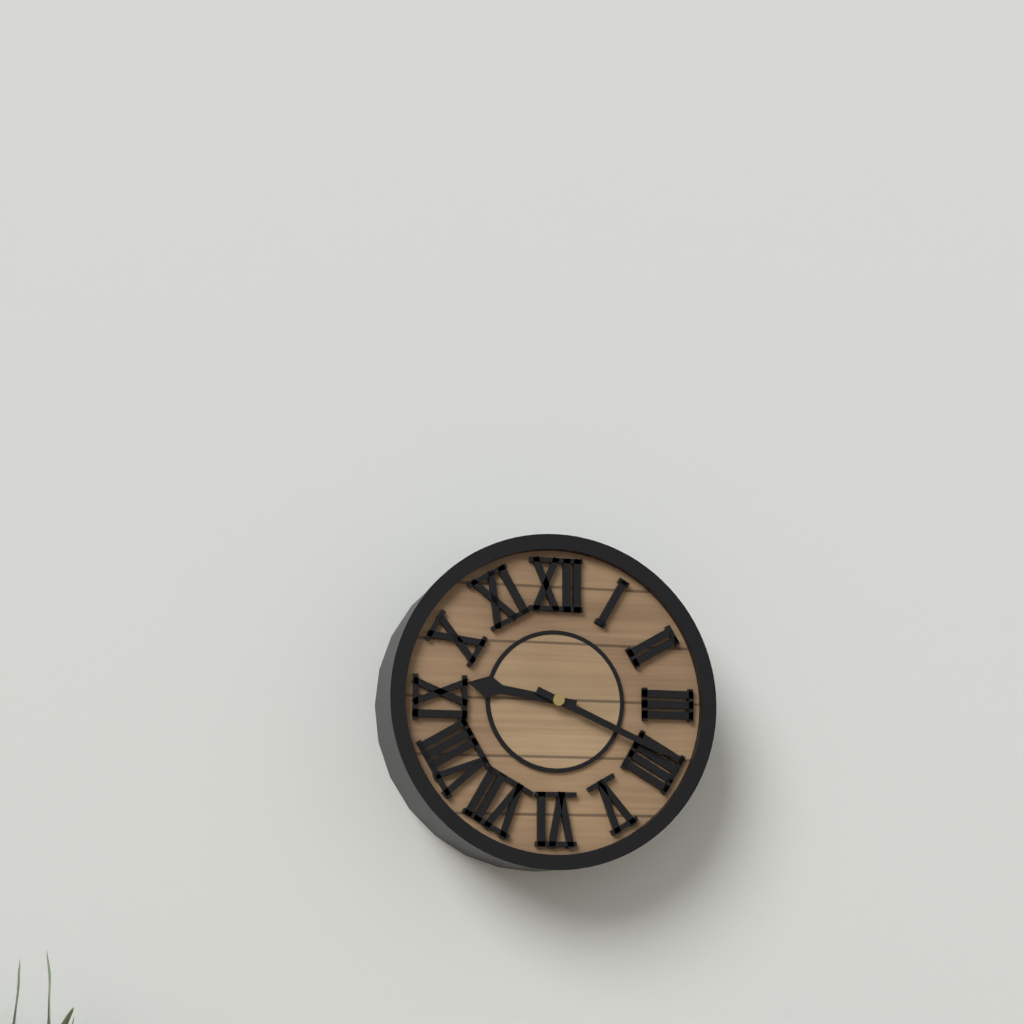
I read 9.19
